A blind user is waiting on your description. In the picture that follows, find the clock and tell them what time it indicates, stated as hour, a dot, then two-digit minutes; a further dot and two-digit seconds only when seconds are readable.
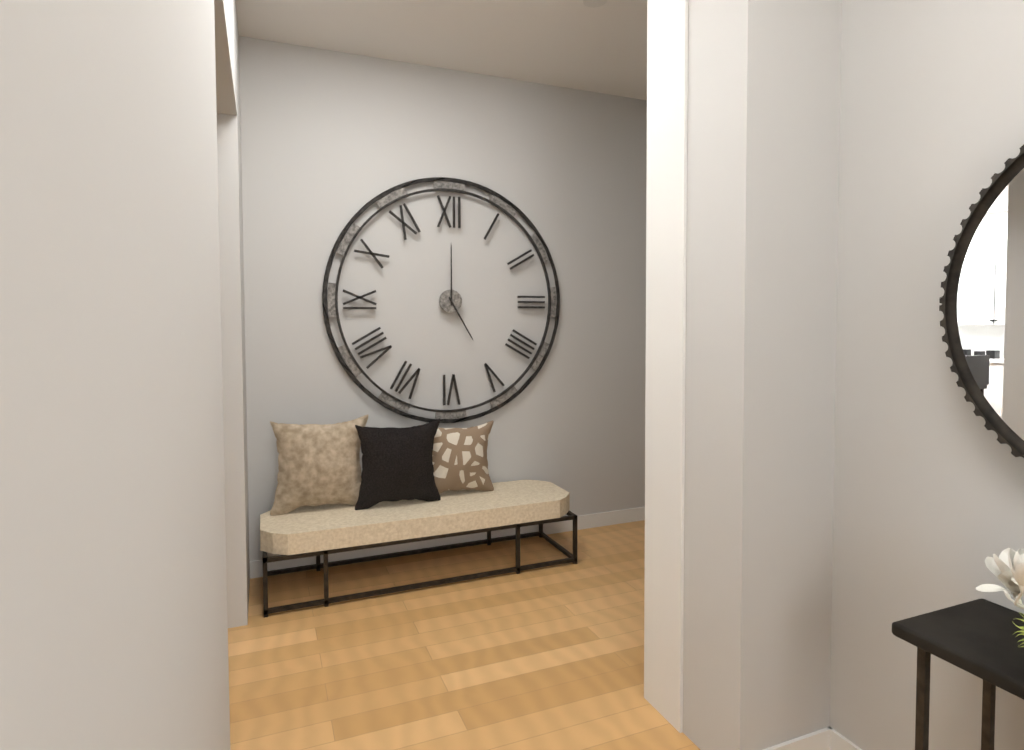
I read 5.00
